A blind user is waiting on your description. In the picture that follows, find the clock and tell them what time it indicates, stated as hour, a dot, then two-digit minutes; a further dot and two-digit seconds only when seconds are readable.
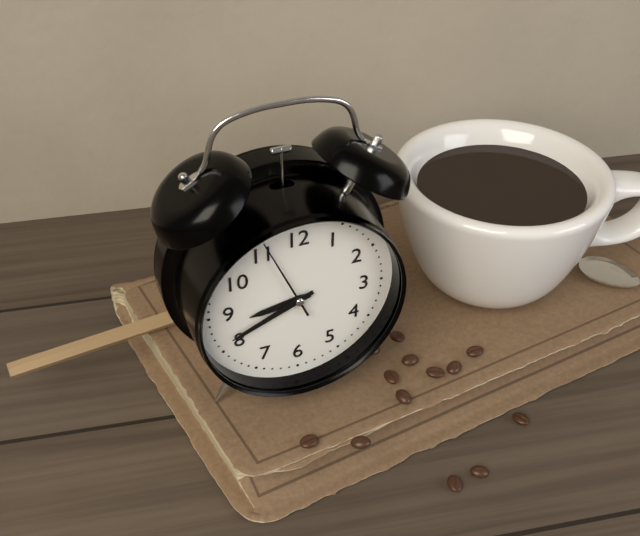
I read 8.41.56
